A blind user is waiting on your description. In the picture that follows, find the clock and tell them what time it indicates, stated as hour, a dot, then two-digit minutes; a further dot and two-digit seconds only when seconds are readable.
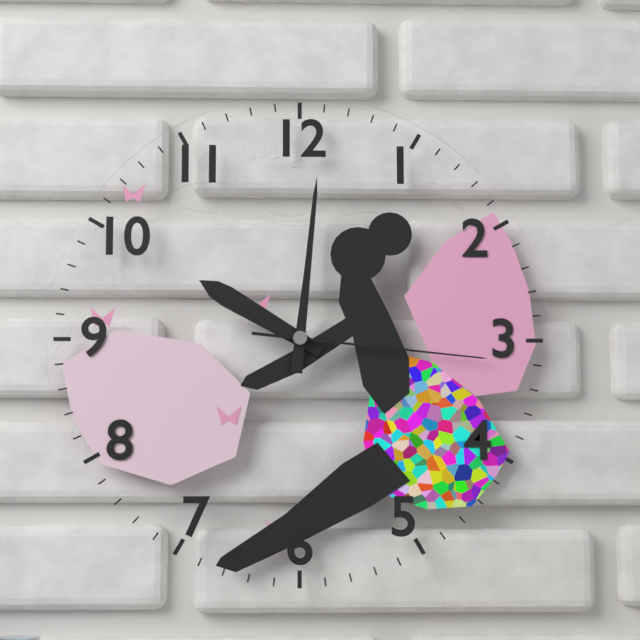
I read 10.01.16
